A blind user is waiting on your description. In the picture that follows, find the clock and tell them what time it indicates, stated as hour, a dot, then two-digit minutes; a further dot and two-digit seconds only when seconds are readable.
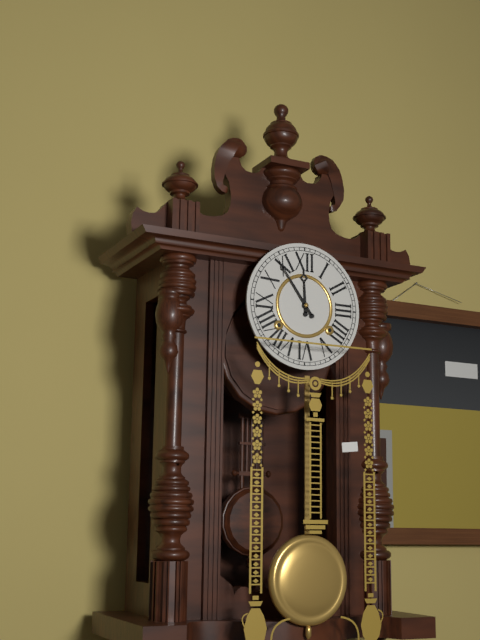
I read 11.54
